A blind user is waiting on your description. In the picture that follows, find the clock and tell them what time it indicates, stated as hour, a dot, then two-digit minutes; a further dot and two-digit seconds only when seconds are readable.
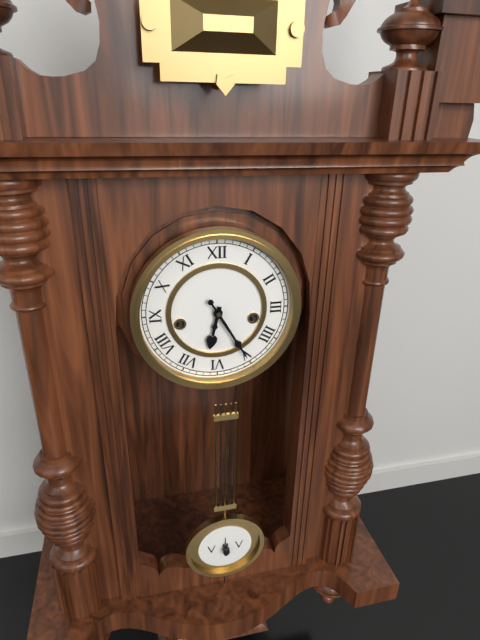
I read 6.25
